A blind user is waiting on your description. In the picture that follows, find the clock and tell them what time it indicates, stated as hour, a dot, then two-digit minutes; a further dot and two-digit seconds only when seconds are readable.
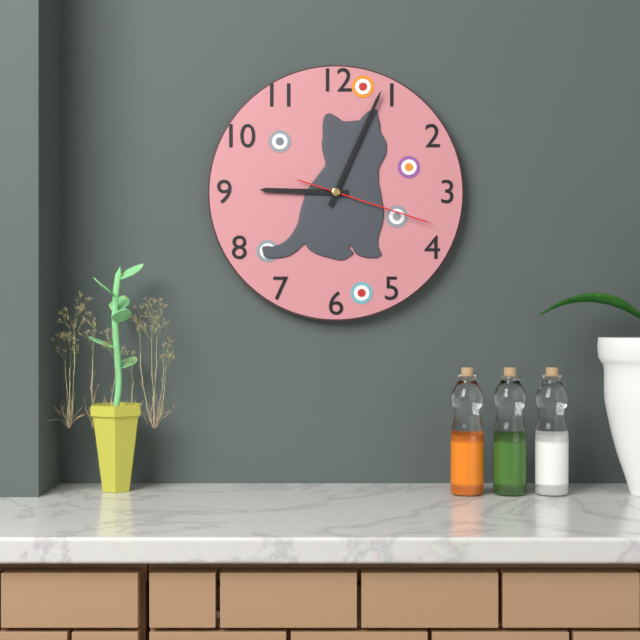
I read 9.04.18
